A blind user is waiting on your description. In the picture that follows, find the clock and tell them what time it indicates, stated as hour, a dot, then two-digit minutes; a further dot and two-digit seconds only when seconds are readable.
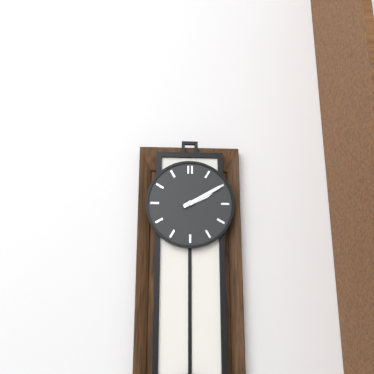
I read 2.10
